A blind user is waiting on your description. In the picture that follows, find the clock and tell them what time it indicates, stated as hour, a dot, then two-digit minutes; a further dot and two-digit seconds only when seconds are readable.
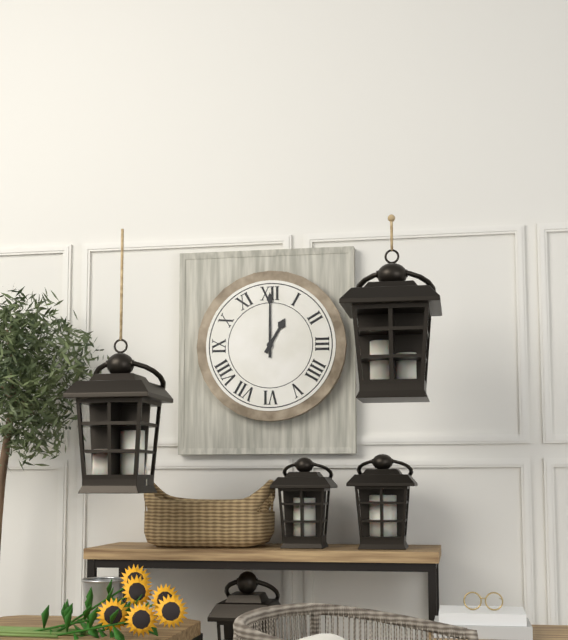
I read 1.00
